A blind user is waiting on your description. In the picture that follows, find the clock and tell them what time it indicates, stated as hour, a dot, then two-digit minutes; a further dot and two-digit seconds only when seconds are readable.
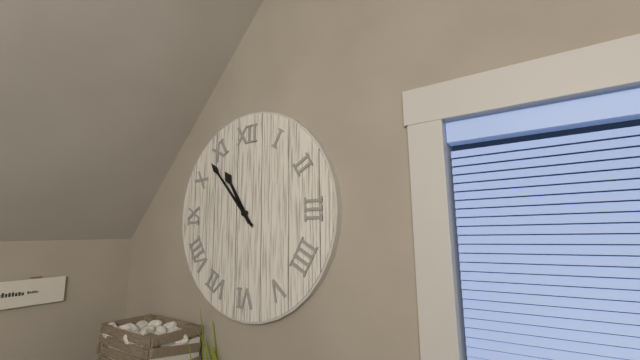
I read 10.53
